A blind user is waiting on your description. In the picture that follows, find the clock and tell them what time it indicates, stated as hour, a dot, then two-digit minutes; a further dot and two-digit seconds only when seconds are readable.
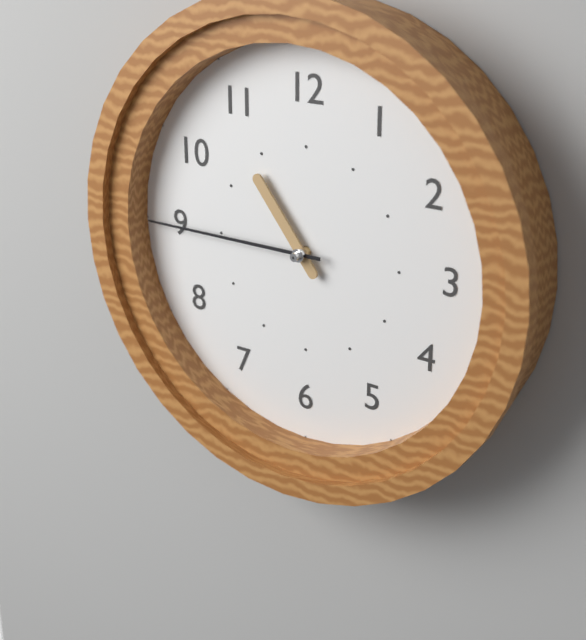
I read 10.45
